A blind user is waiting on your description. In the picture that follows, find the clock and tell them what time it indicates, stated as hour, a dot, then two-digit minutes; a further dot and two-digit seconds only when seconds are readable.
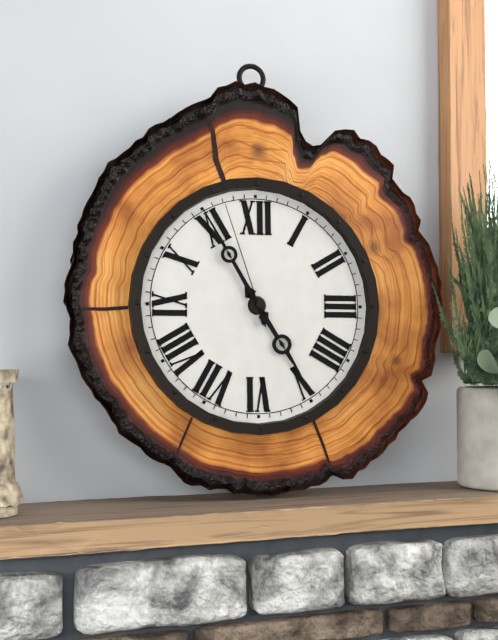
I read 4.55.57
